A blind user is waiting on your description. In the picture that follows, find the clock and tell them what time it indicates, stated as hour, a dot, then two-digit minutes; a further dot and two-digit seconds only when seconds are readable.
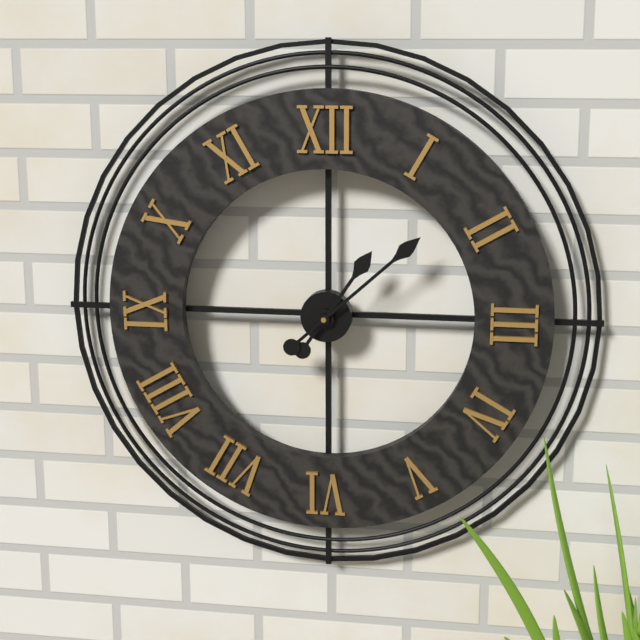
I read 1.08
